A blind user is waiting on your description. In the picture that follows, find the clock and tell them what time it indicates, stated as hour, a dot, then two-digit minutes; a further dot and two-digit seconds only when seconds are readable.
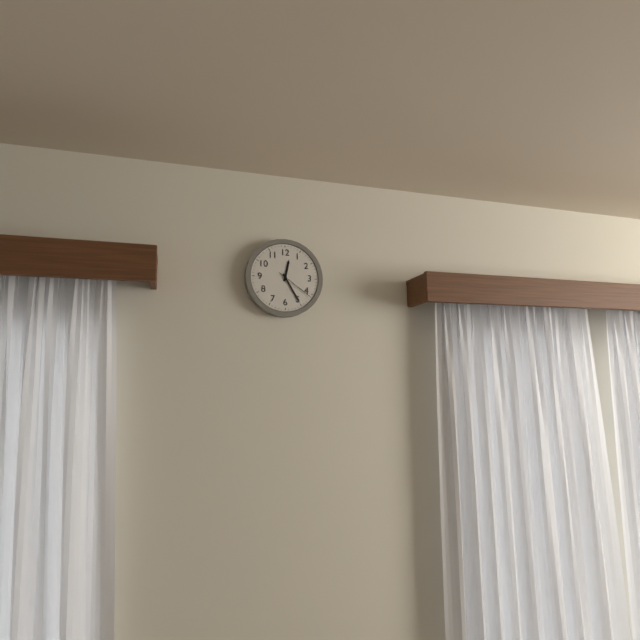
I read 12.25
